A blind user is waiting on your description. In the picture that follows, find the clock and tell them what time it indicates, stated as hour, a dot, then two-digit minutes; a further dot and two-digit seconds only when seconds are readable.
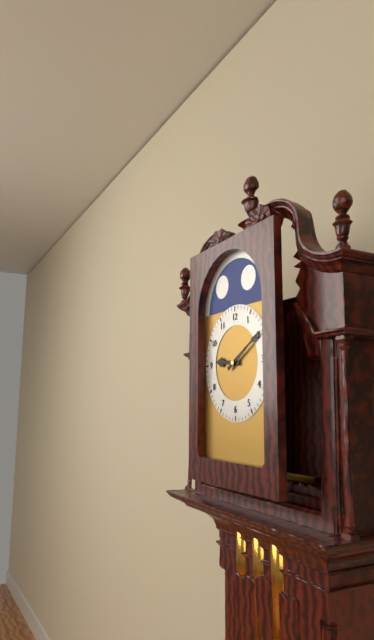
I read 9.10
